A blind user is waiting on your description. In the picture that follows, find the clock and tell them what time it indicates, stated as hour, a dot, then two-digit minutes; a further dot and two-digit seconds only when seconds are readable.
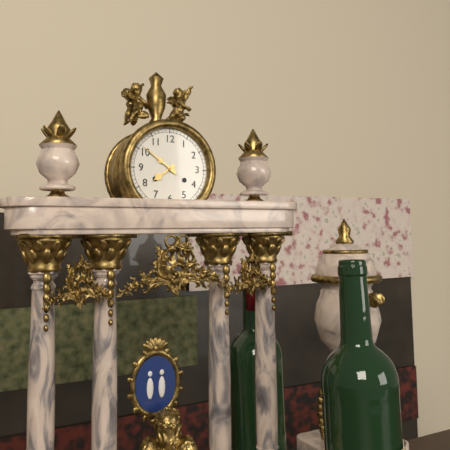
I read 7.51
